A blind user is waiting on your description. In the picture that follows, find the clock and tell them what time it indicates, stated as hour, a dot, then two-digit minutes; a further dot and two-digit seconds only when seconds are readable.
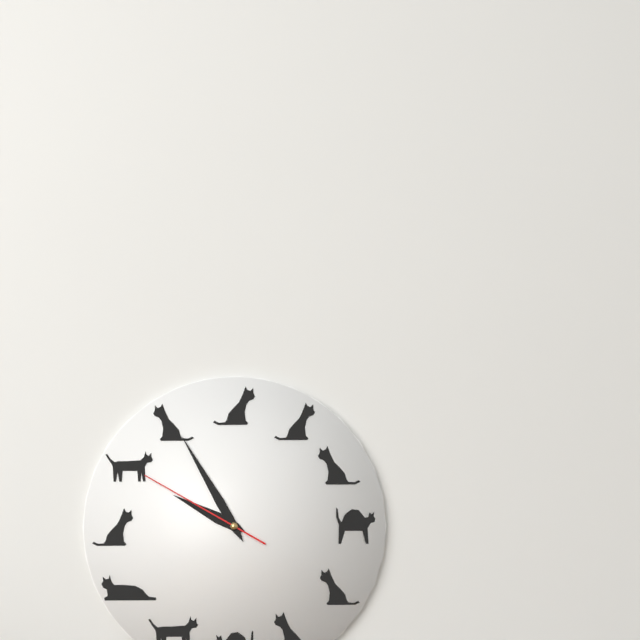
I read 9.55.50
